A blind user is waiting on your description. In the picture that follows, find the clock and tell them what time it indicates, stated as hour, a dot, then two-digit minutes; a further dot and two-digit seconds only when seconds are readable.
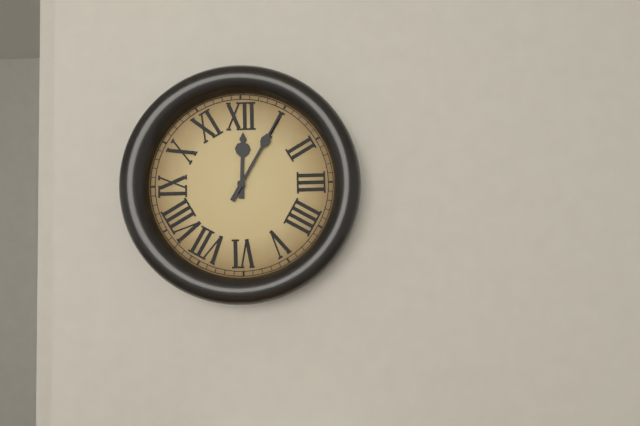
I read 12.05
